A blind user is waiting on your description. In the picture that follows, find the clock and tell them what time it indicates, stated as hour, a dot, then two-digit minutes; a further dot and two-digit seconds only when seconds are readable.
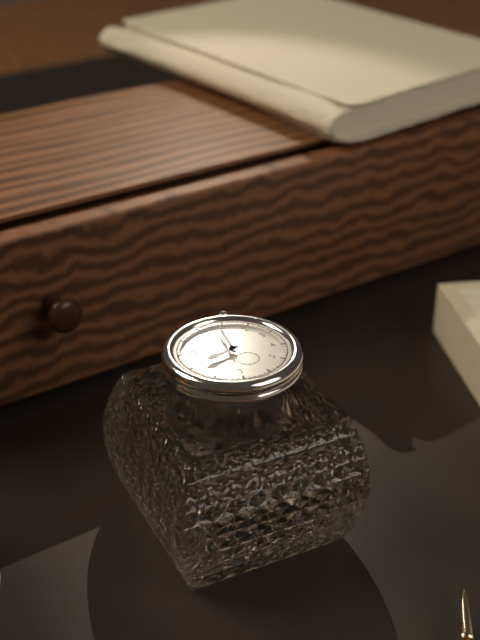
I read 9.04
